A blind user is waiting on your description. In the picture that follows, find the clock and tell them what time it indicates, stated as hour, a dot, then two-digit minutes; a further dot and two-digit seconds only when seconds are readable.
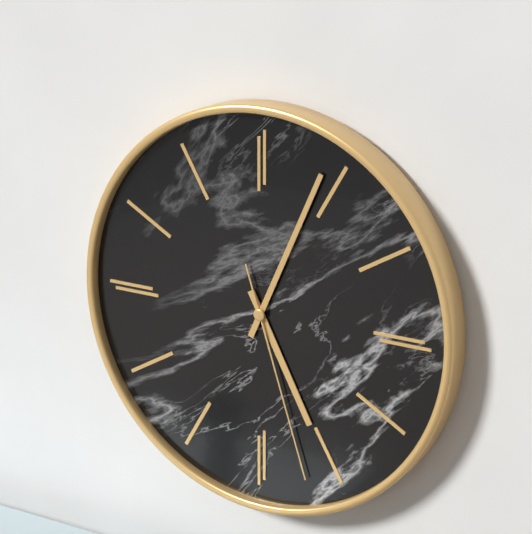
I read 5.04.27
